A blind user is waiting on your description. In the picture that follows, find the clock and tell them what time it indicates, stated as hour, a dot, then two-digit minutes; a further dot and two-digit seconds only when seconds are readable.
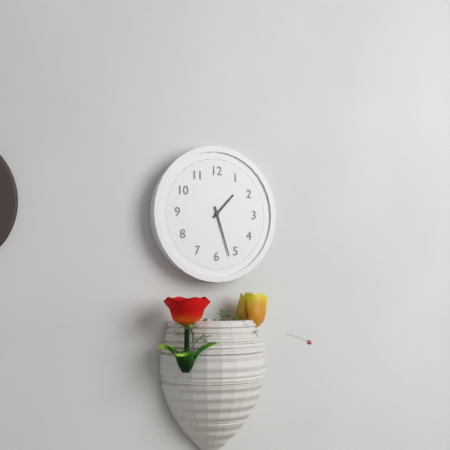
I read 1.27
